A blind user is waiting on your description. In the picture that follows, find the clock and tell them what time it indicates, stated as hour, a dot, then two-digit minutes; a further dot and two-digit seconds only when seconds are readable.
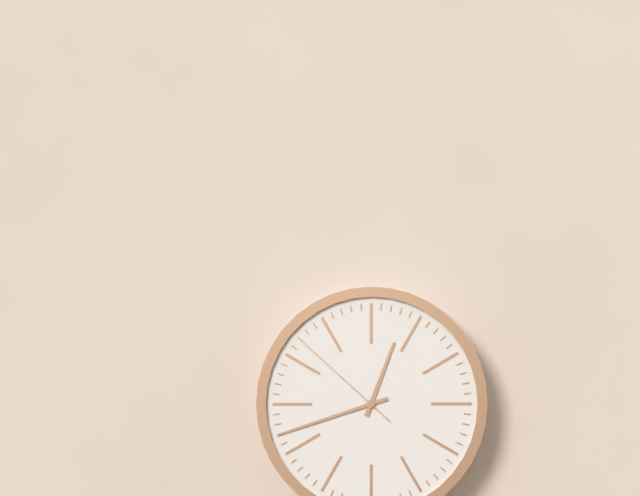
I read 12.42.52
